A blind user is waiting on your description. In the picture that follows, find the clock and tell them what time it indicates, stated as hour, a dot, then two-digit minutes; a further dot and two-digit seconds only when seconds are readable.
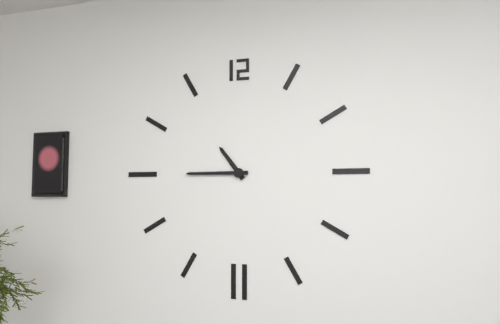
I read 10.45
